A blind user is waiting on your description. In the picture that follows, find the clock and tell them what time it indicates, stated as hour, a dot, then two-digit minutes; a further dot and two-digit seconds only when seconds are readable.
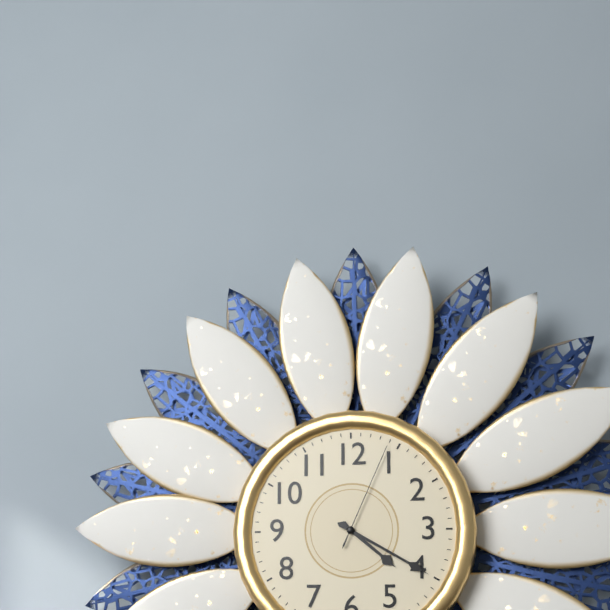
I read 4.20.04
